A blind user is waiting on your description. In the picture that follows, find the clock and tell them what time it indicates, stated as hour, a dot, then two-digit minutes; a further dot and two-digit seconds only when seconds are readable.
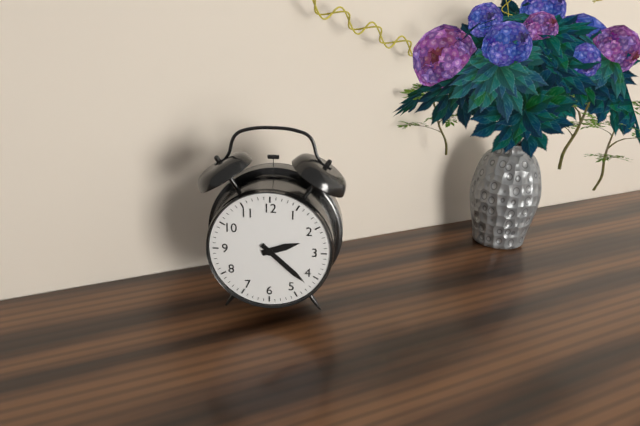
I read 2.22
